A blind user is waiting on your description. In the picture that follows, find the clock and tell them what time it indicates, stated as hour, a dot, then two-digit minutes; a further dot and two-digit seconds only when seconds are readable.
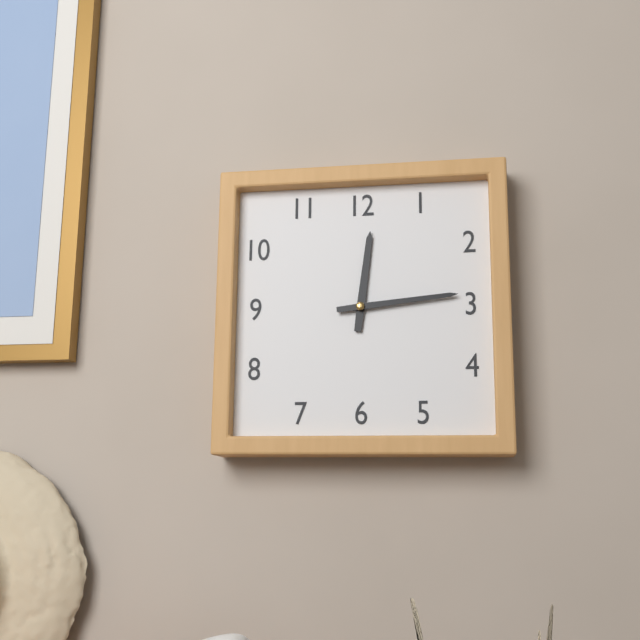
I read 12.14
